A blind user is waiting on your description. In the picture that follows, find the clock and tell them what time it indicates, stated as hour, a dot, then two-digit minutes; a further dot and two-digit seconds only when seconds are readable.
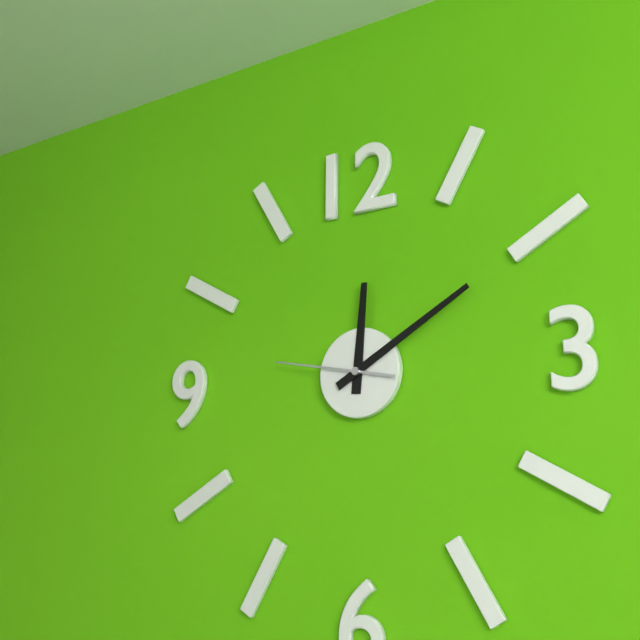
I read 12.10.47
